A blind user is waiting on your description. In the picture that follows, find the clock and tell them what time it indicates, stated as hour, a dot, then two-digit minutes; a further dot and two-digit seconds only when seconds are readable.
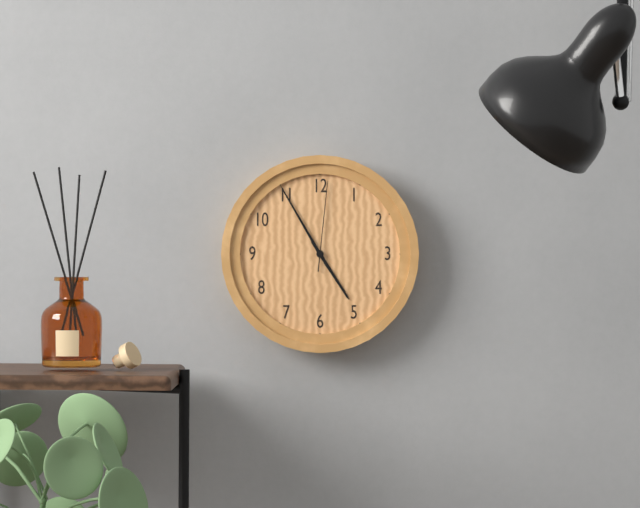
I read 4.55.01
